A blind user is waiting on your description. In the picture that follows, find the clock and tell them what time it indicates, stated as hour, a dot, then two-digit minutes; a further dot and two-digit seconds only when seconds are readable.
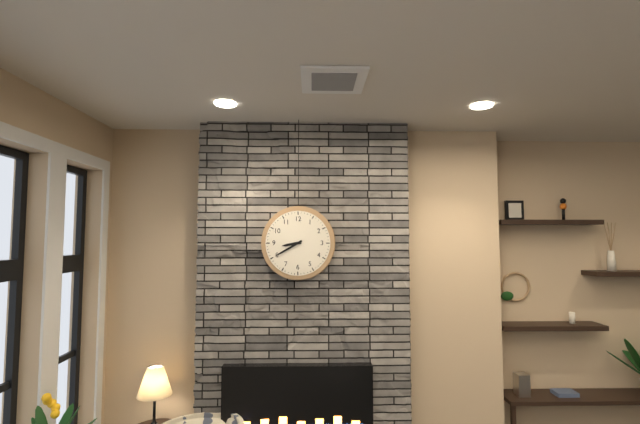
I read 8.40
